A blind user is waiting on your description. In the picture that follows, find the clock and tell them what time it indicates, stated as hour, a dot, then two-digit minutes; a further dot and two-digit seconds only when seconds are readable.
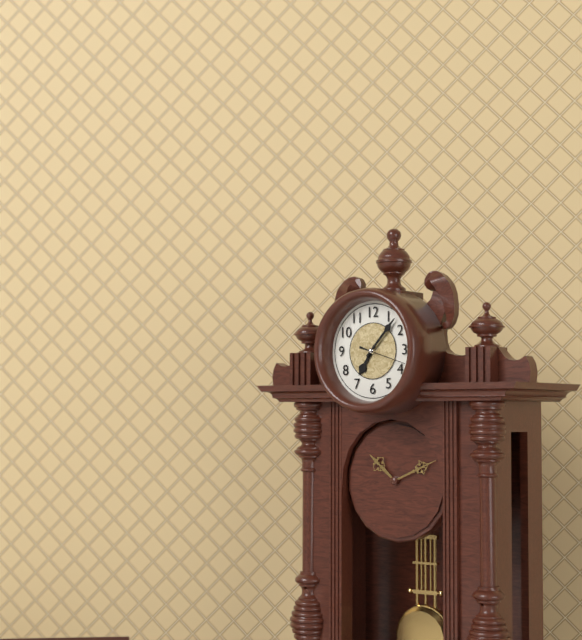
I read 7.07
